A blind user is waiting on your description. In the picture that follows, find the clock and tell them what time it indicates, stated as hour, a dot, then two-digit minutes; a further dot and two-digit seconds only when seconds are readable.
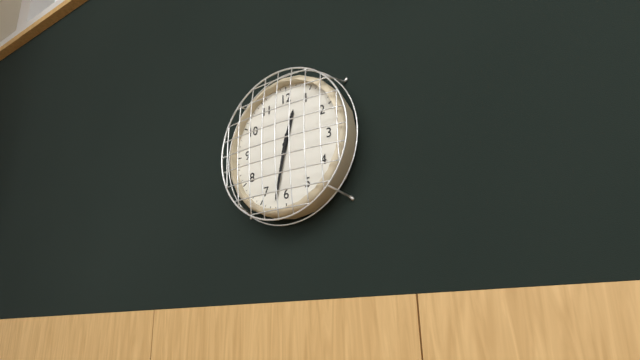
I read 12.32
